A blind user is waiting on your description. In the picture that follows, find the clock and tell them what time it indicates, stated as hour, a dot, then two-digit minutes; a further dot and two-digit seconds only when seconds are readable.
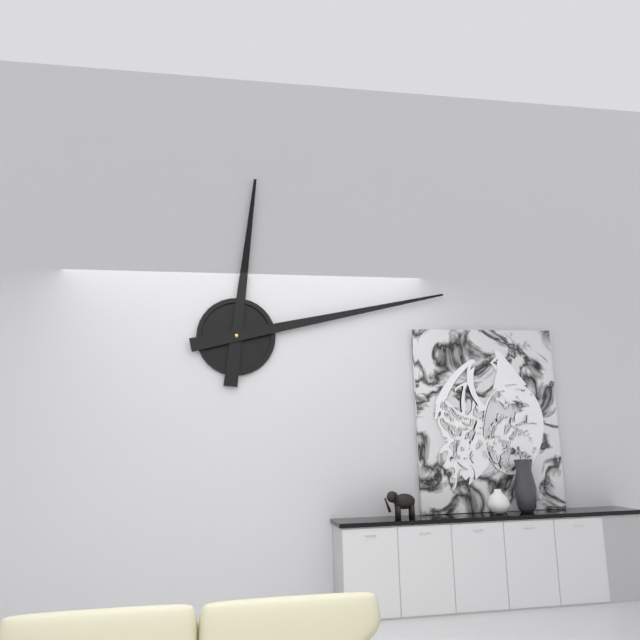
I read 12.13
